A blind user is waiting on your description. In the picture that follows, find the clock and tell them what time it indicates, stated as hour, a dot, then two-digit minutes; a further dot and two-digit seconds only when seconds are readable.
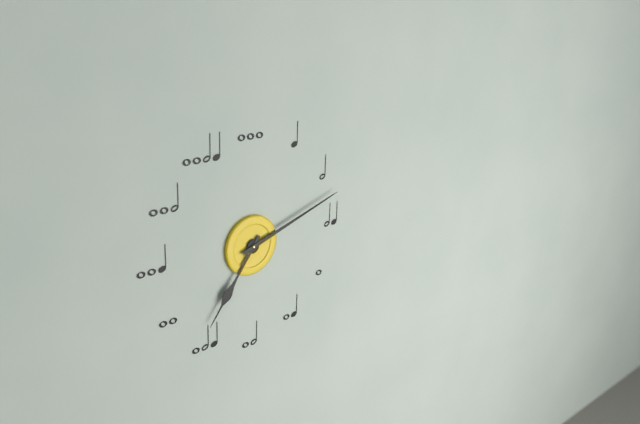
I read 7.12
